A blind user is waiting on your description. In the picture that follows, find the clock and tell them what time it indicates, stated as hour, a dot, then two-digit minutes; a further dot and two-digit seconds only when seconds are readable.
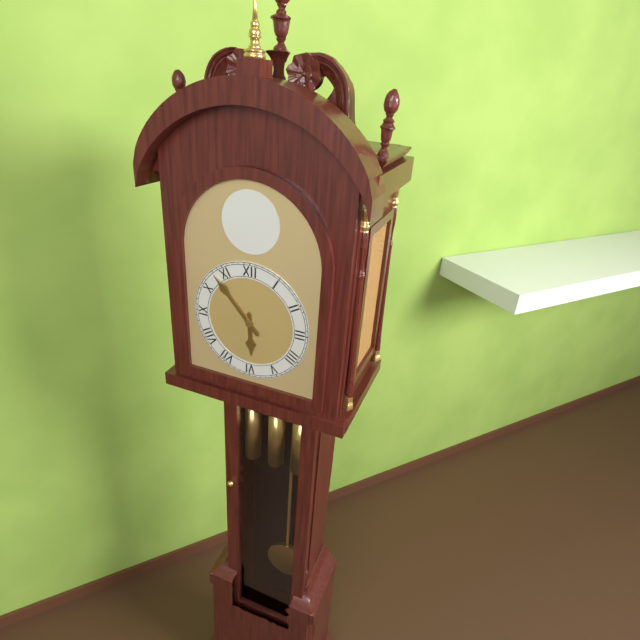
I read 5.53
